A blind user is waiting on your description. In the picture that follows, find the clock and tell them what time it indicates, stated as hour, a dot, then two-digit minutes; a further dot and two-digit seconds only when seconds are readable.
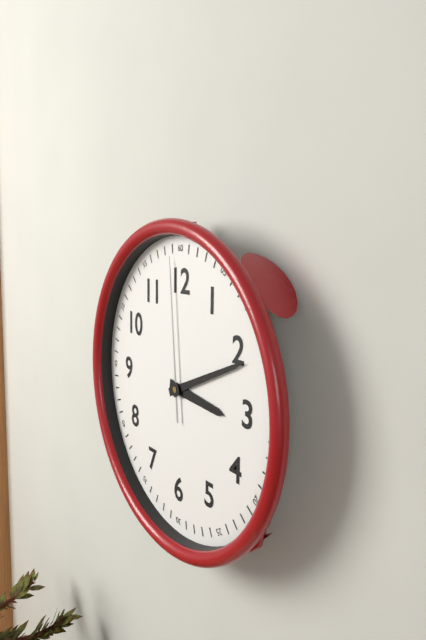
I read 3.11.59
